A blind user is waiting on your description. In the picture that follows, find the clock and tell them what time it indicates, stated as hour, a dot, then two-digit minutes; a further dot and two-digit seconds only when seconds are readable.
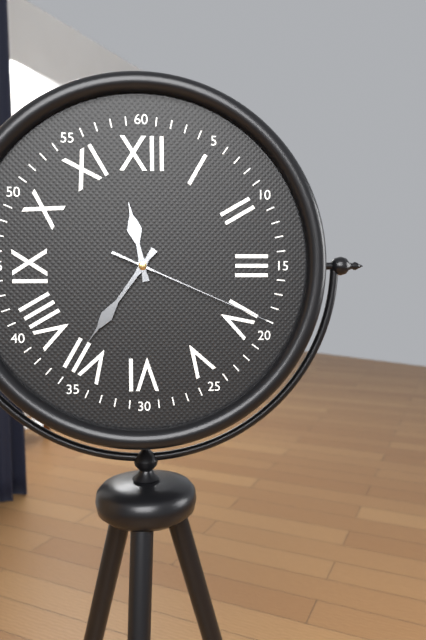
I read 11.36.19
